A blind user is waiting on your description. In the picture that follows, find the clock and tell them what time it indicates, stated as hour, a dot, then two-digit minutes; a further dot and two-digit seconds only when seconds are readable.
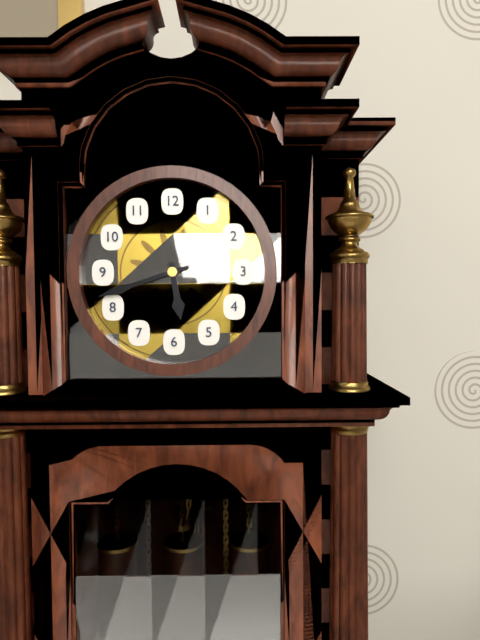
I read 5.42
